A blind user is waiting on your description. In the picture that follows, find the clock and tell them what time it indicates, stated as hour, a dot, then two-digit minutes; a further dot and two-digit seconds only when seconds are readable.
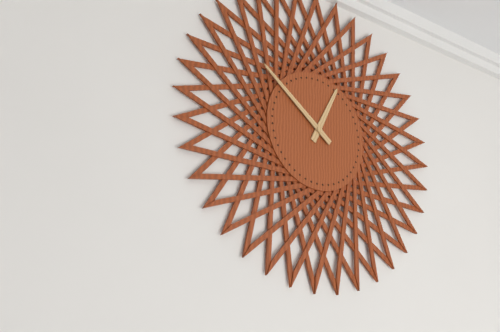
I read 12.51
